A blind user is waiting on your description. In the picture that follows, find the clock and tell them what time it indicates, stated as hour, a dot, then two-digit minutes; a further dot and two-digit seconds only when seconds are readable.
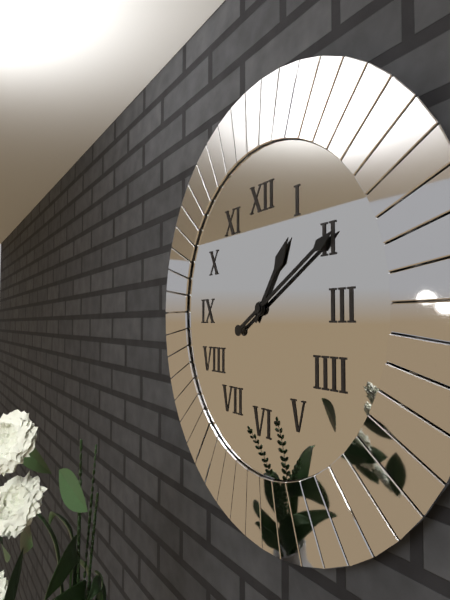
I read 1.10
